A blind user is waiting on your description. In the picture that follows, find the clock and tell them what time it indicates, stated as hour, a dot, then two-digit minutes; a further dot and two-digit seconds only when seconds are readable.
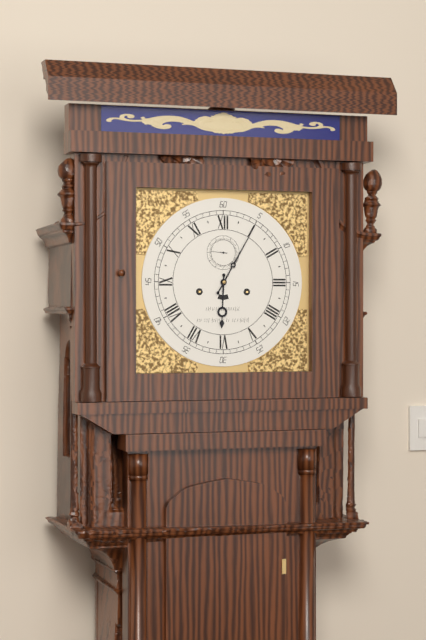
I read 6.05
